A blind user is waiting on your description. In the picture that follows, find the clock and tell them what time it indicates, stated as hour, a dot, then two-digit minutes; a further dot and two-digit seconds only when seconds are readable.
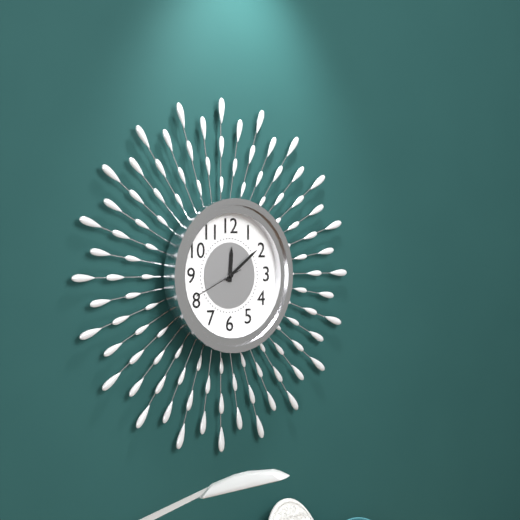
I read 12.09
